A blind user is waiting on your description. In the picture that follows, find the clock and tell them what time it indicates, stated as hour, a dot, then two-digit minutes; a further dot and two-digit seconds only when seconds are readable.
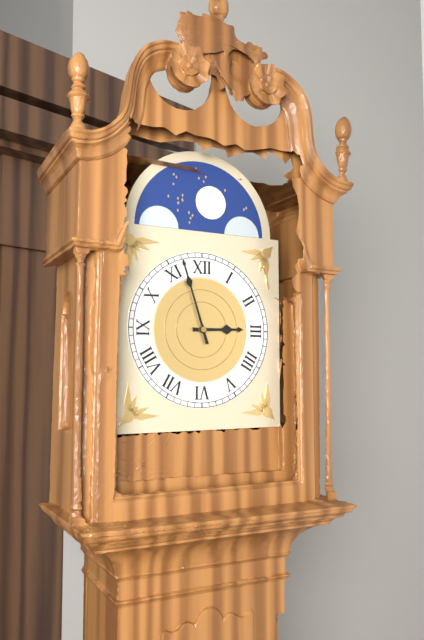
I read 2.57
